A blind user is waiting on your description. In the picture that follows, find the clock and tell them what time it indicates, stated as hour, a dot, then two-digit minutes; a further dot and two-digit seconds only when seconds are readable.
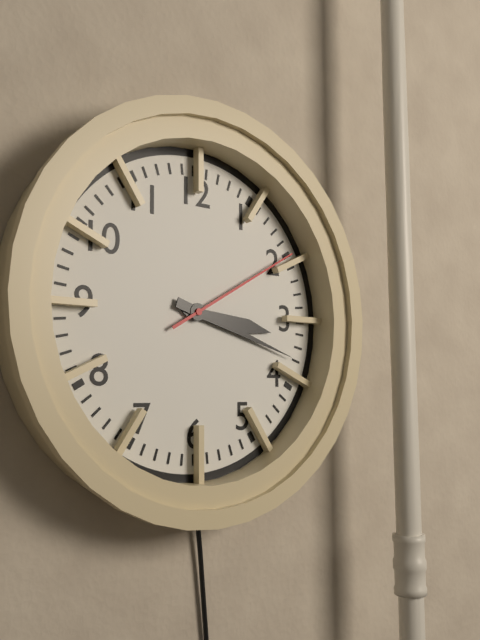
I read 3.18.10
